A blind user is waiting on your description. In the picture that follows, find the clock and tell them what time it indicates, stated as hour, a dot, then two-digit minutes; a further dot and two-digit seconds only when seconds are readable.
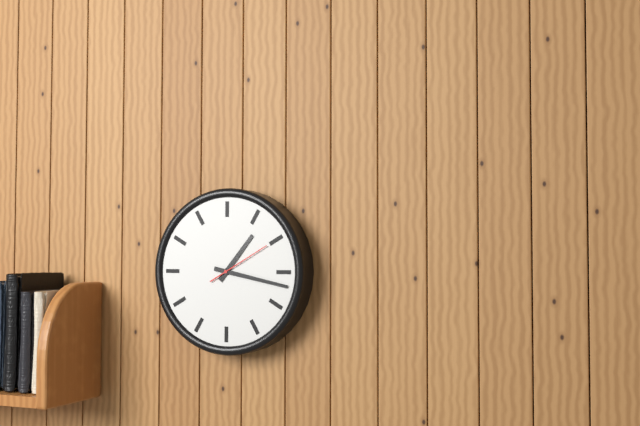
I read 1.17
